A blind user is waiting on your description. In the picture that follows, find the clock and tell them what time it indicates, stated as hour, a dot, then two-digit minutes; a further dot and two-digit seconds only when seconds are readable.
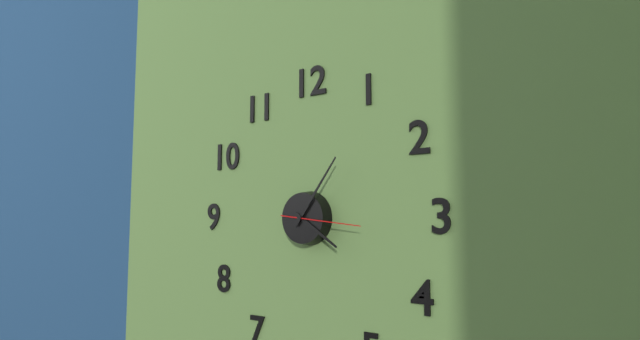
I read 4.06.16
